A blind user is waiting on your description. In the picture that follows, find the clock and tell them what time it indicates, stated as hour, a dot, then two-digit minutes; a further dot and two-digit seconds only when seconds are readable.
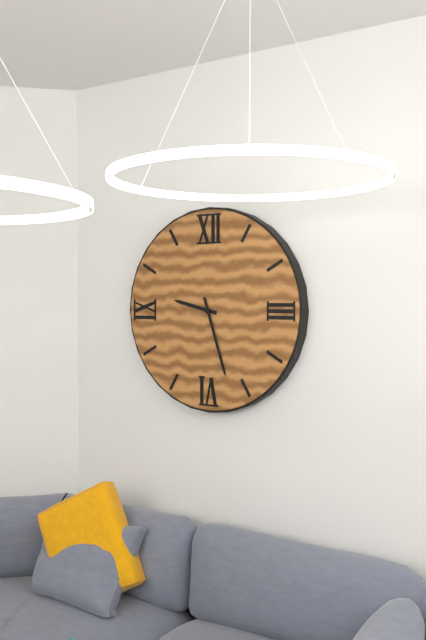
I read 9.27
